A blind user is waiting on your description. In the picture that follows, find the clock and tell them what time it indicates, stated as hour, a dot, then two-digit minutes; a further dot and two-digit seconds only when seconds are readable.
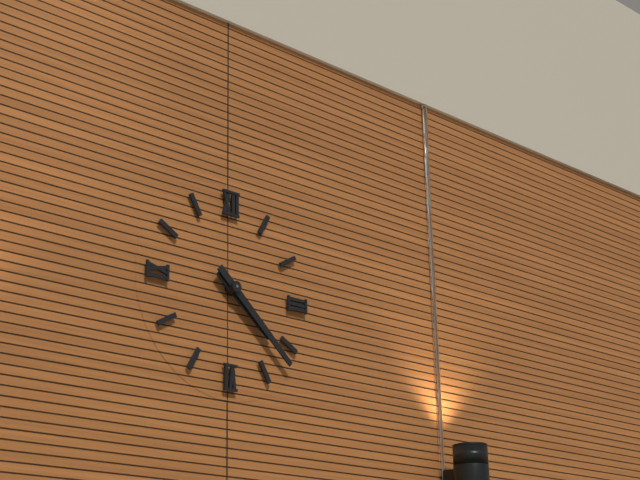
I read 4.22
